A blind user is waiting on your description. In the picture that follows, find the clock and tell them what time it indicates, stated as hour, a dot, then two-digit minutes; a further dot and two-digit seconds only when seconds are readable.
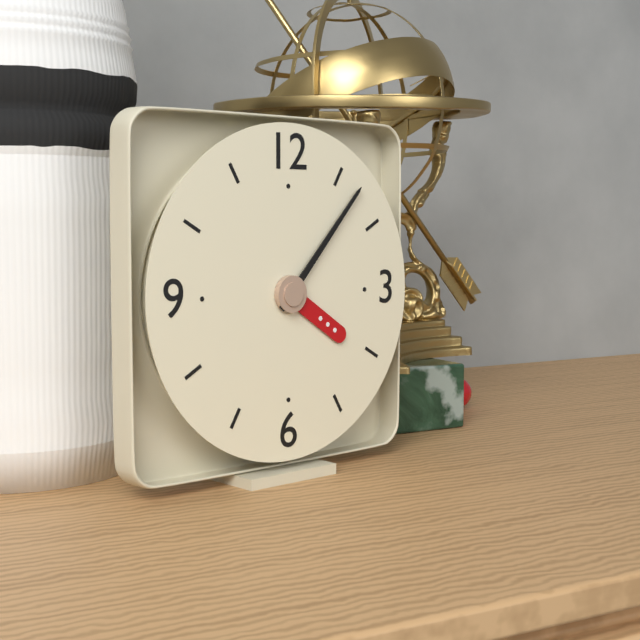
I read 4.07
